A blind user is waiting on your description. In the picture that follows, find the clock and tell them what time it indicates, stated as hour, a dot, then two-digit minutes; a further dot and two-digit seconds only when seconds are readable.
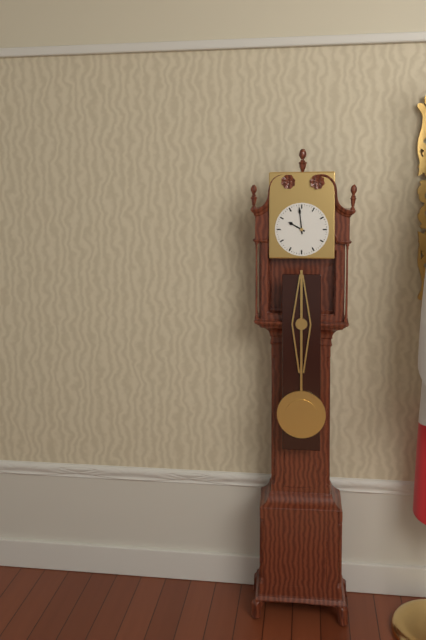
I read 9.59
